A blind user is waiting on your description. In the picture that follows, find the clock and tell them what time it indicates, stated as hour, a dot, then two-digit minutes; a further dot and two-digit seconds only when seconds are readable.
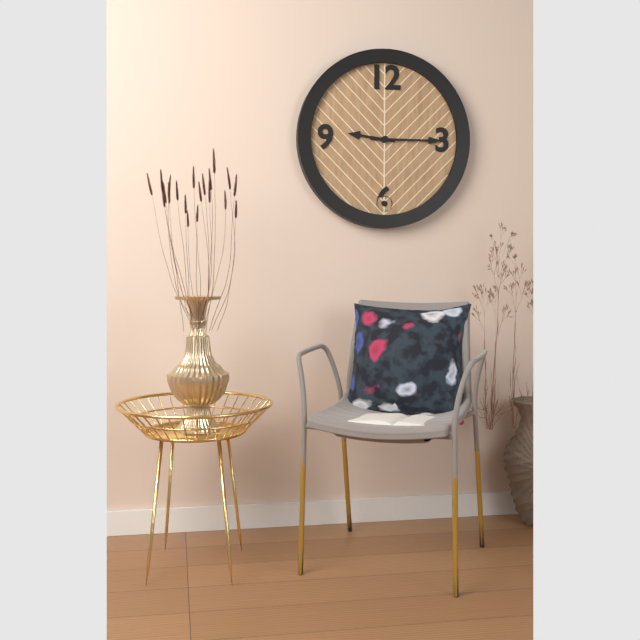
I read 9.15
